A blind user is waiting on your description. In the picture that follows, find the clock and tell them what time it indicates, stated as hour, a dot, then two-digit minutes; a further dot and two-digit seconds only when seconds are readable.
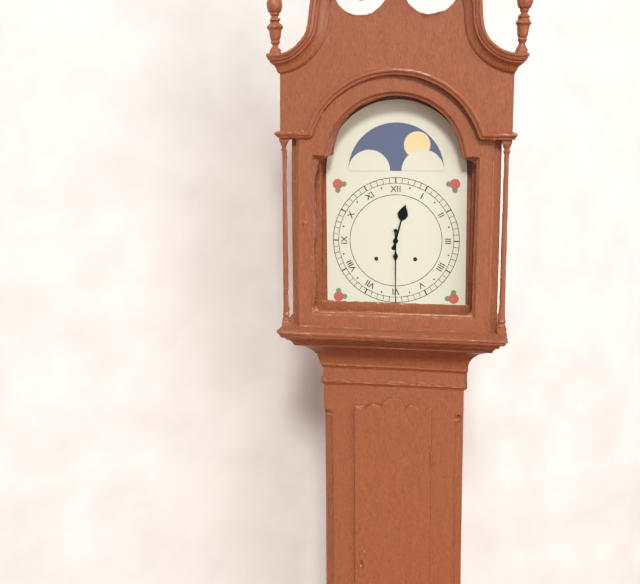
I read 12.30
